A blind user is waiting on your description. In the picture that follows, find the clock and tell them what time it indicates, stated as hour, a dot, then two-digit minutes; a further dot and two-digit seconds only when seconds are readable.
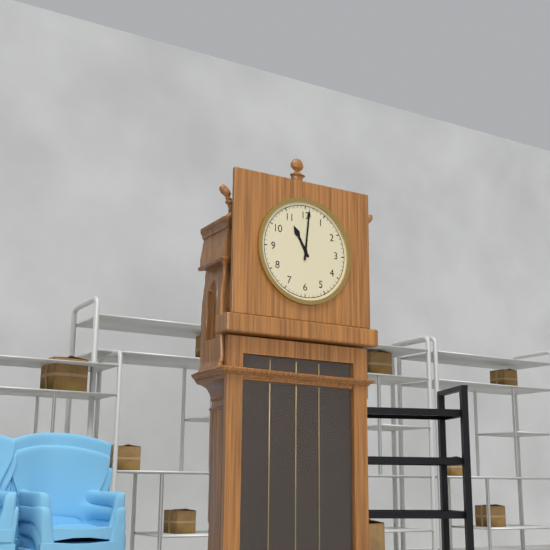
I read 11.01
